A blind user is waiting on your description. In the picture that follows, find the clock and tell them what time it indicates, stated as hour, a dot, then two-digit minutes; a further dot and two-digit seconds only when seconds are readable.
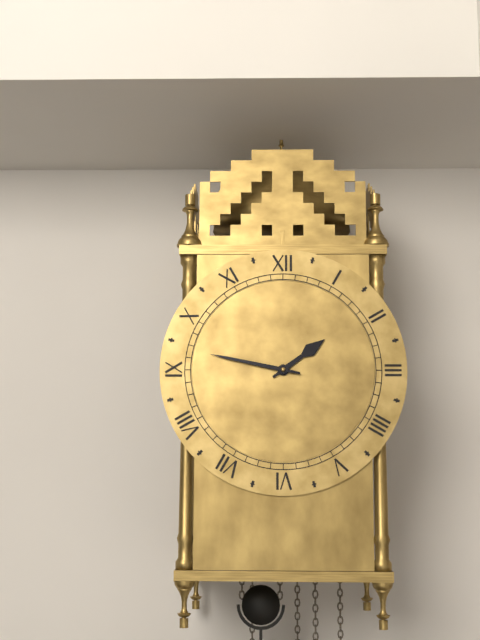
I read 1.47
